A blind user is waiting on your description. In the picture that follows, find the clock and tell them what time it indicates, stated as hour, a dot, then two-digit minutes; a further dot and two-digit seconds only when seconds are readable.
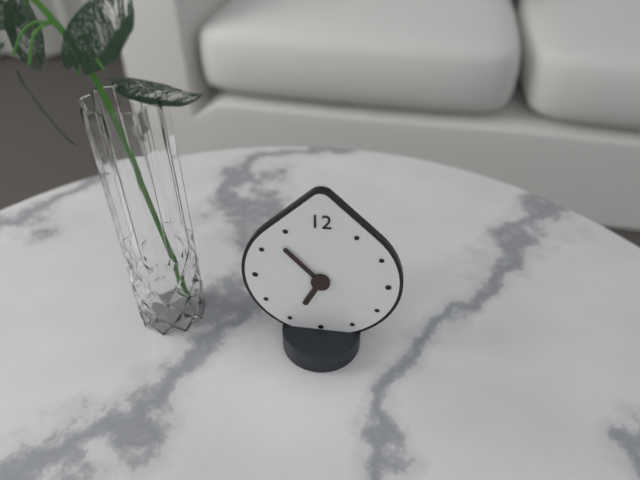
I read 6.53
